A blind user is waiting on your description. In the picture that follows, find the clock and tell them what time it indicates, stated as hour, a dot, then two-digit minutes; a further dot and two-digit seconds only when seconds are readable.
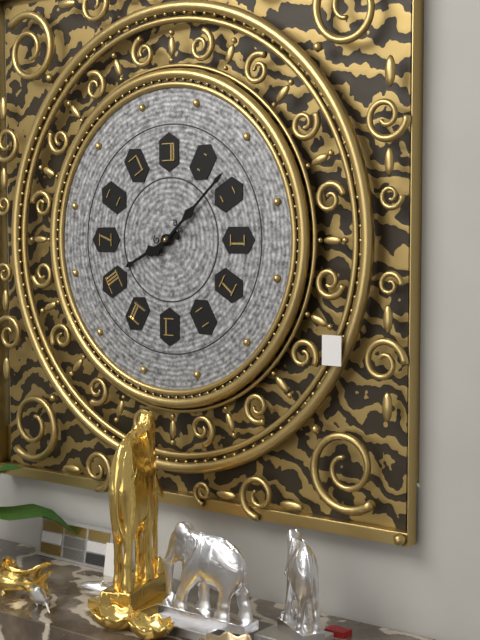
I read 8.08
